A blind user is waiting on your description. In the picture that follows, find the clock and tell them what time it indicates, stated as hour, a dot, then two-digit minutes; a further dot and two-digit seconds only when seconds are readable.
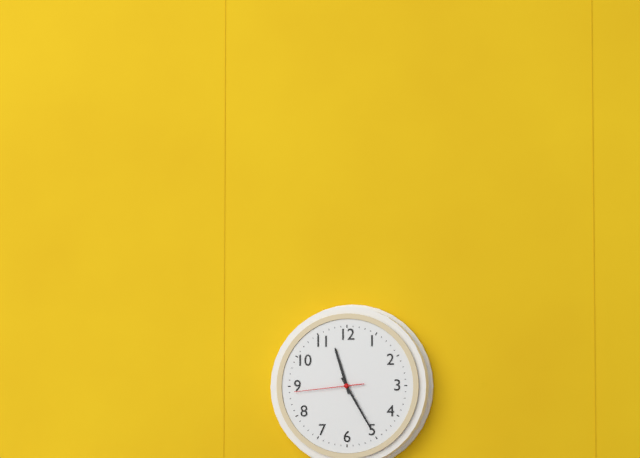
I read 11.25.44
